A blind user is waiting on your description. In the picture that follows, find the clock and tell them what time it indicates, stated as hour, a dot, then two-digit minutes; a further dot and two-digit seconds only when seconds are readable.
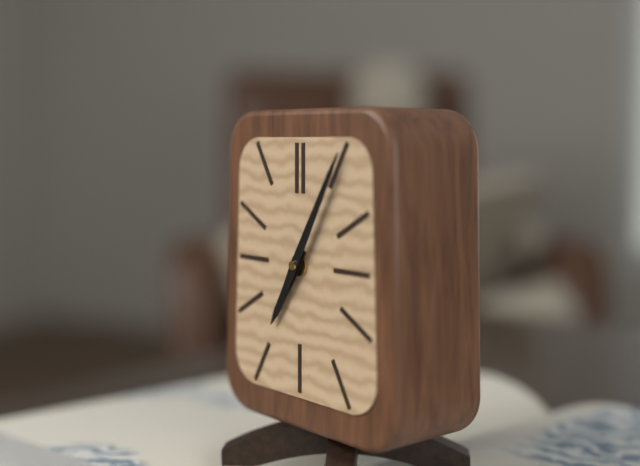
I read 7.05
